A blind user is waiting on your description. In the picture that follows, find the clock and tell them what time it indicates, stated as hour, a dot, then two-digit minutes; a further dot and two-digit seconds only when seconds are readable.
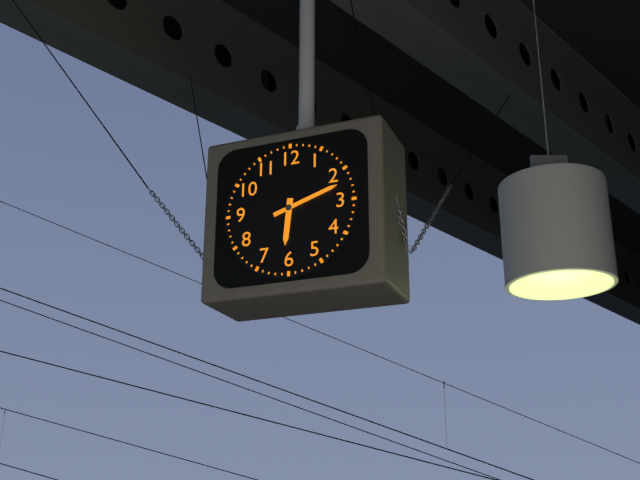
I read 6.12
